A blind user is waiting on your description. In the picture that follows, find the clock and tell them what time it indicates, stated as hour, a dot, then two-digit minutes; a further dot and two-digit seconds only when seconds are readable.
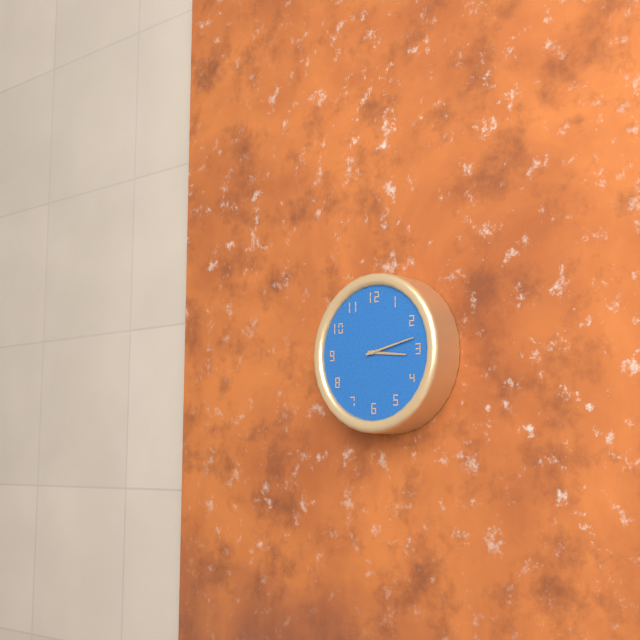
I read 3.13
